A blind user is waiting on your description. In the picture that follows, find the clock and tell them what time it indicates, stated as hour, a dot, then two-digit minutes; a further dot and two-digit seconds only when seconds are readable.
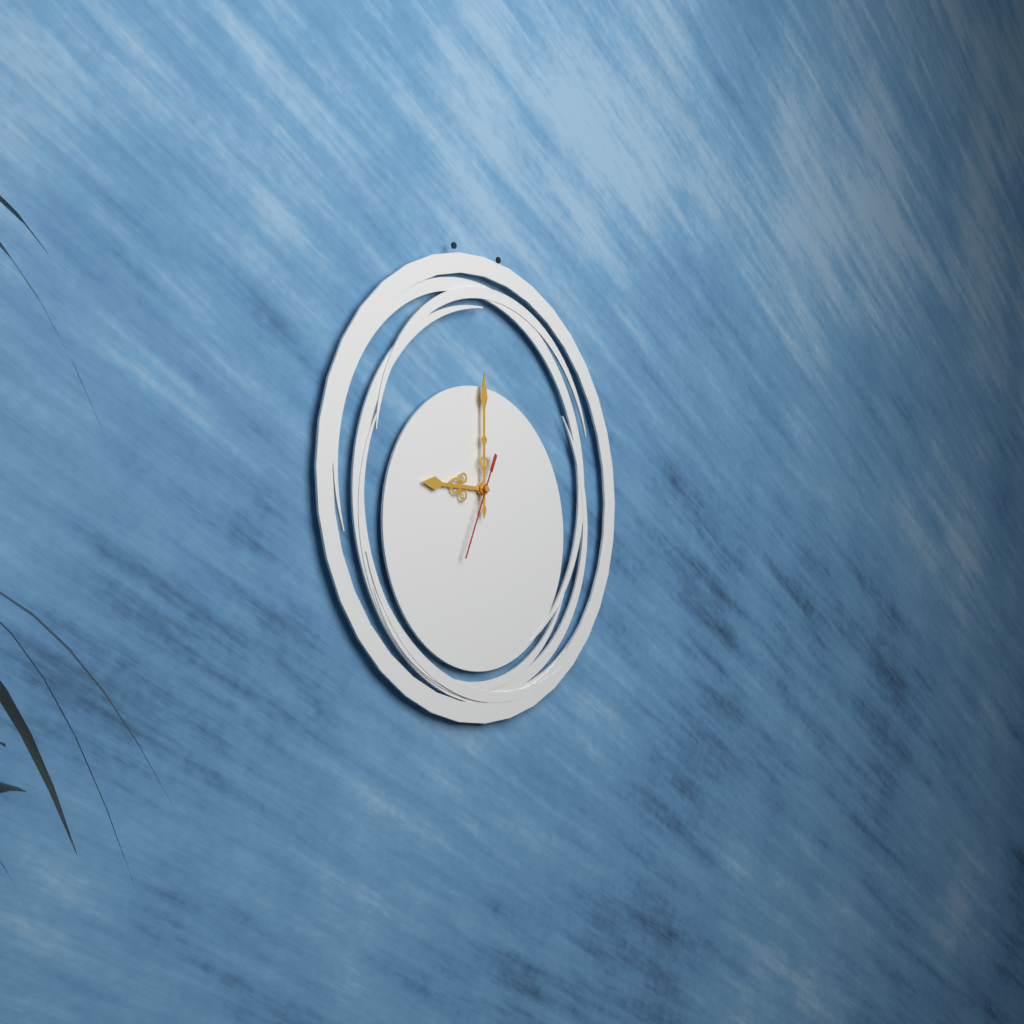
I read 9.00.34
